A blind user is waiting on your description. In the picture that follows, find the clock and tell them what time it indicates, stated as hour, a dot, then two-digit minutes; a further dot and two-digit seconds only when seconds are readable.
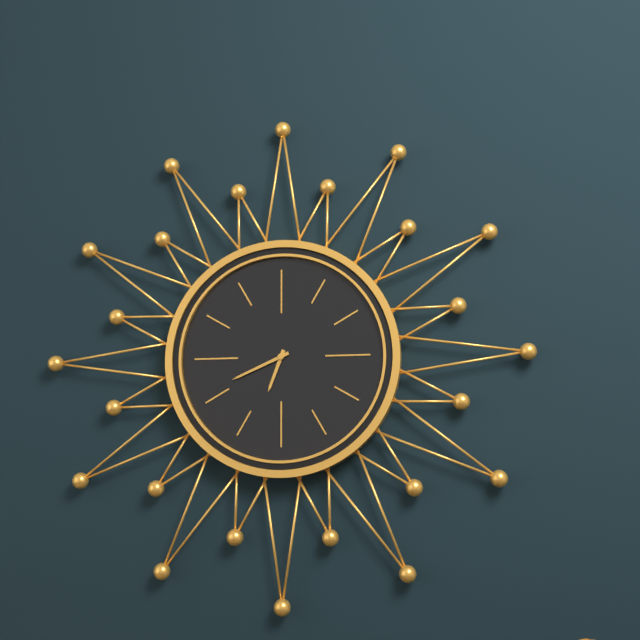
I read 6.41
